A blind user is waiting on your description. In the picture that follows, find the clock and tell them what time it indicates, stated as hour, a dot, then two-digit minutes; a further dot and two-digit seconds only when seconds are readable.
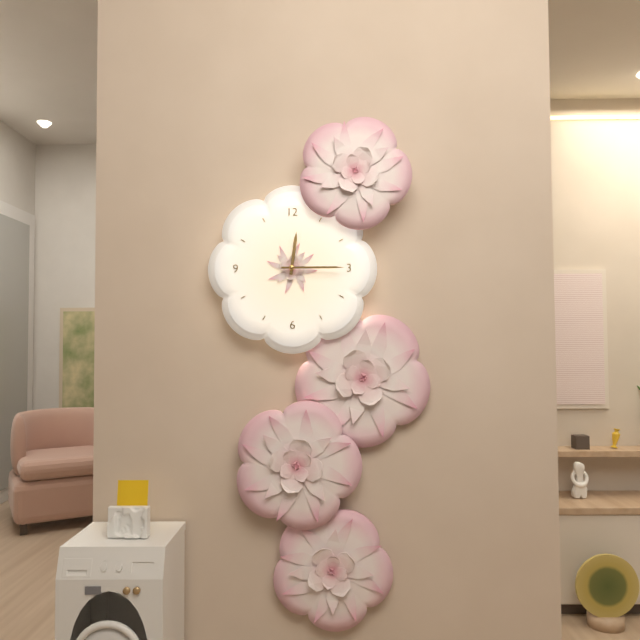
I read 12.15
